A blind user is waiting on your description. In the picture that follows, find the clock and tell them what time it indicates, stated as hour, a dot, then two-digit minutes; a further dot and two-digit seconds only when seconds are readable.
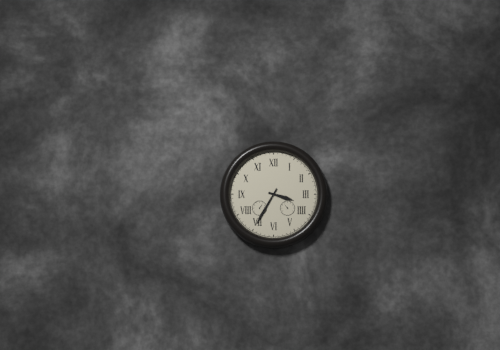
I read 3.35
